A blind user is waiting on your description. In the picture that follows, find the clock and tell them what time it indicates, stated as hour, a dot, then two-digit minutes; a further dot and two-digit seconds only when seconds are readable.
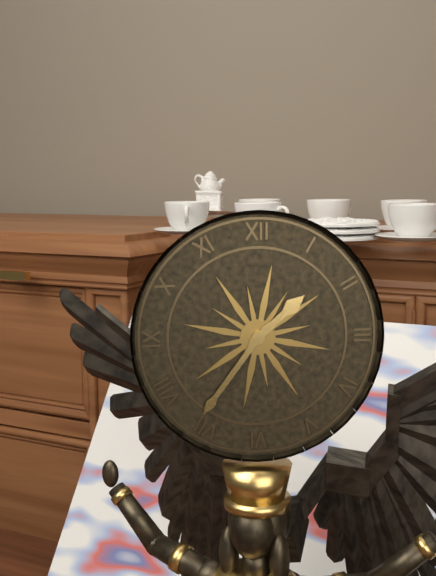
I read 1.36
